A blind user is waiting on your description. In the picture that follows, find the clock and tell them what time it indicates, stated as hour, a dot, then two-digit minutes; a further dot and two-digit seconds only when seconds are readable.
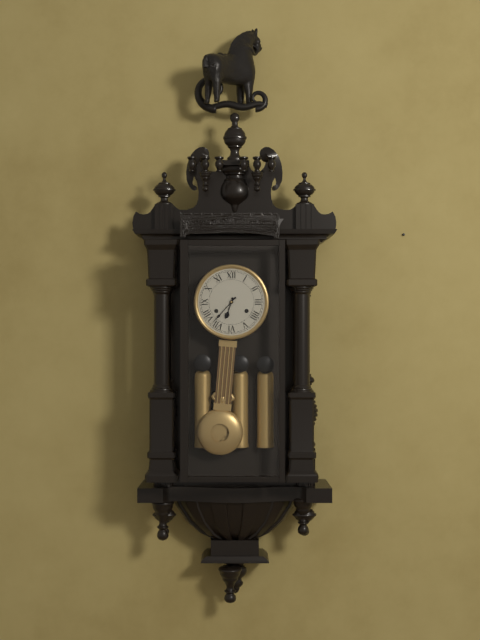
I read 6.37
